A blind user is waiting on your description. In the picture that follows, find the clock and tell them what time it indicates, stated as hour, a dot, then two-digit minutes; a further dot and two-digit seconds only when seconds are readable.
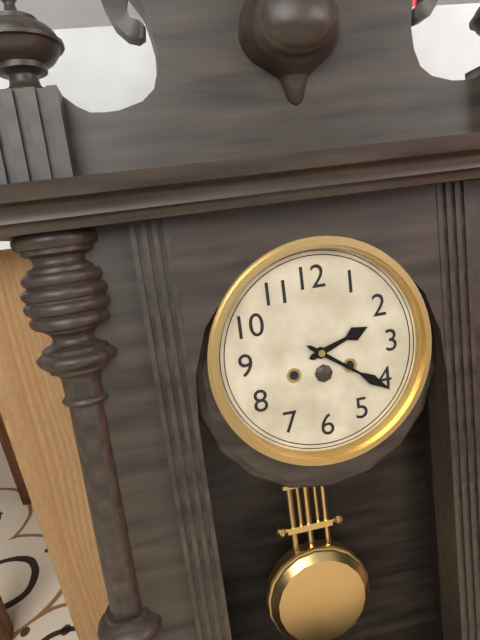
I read 2.21
